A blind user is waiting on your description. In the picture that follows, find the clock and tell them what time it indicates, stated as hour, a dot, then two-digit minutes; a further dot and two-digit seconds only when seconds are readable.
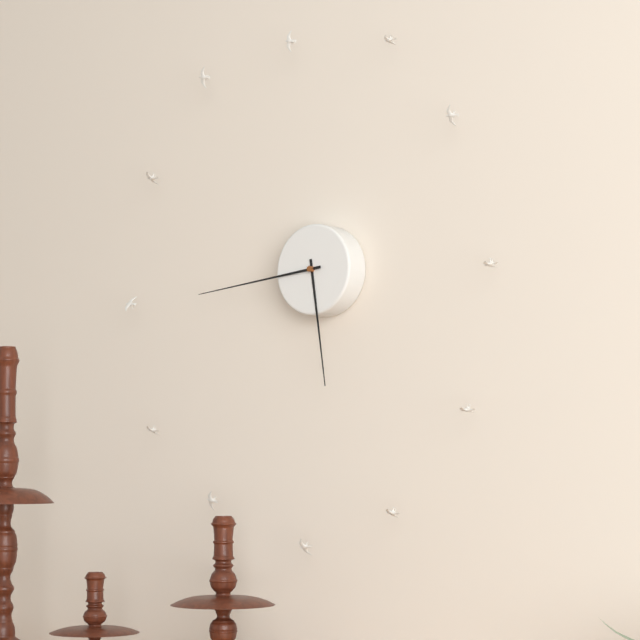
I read 5.44
